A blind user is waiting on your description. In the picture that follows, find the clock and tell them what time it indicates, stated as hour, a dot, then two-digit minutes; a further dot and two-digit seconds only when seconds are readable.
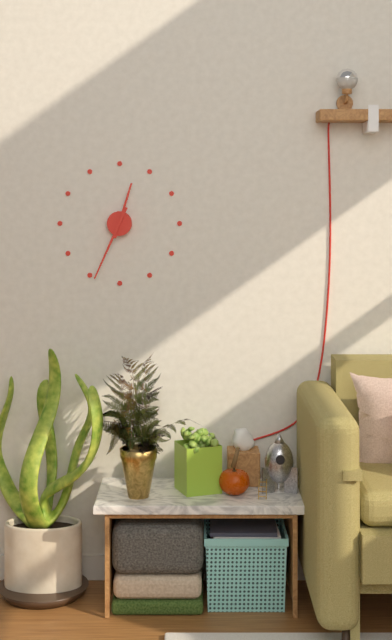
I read 12.34
